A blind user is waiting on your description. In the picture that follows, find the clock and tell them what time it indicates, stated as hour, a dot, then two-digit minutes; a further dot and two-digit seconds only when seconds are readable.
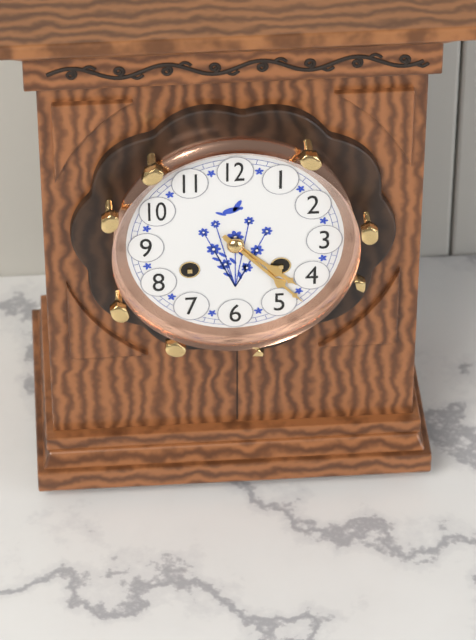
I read 4.23
